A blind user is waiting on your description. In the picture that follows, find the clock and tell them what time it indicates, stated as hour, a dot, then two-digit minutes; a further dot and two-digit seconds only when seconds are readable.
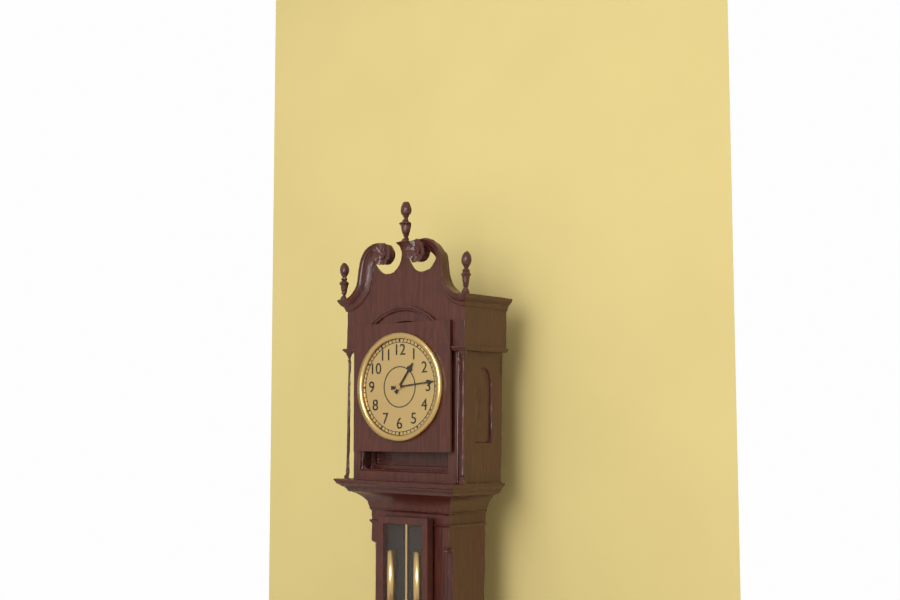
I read 1.14
